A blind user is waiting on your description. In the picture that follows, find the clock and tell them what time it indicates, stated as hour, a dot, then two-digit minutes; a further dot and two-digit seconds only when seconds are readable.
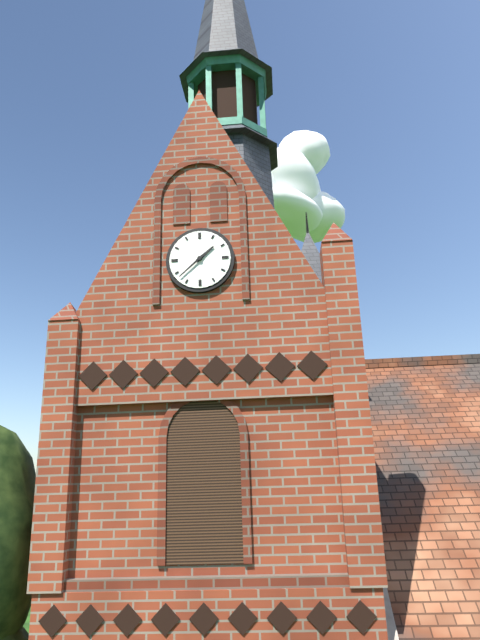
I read 1.38
